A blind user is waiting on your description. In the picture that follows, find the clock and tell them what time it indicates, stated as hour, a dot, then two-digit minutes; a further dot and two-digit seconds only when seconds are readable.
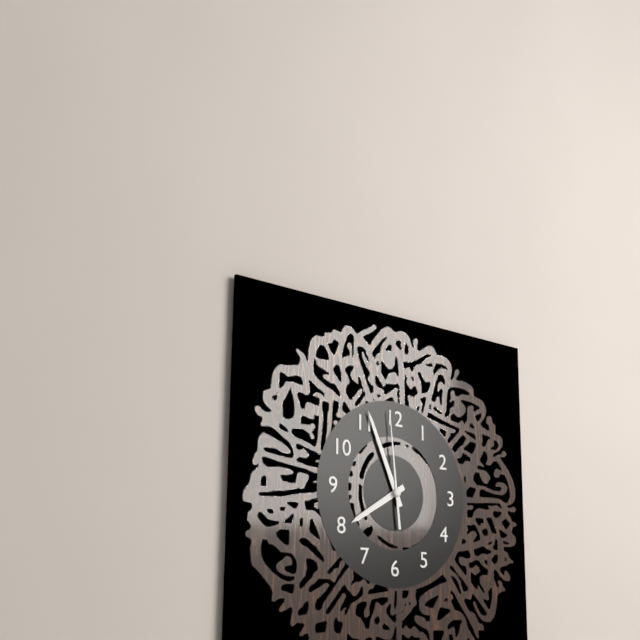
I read 7.56.59
